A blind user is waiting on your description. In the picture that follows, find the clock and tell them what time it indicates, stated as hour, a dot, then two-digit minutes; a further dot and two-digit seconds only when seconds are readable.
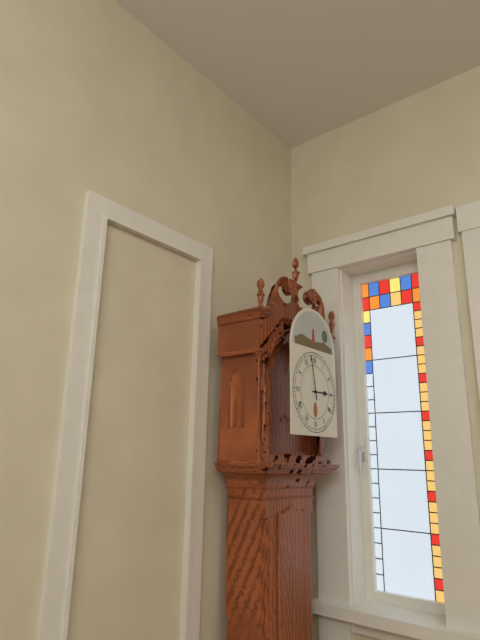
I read 2.58
